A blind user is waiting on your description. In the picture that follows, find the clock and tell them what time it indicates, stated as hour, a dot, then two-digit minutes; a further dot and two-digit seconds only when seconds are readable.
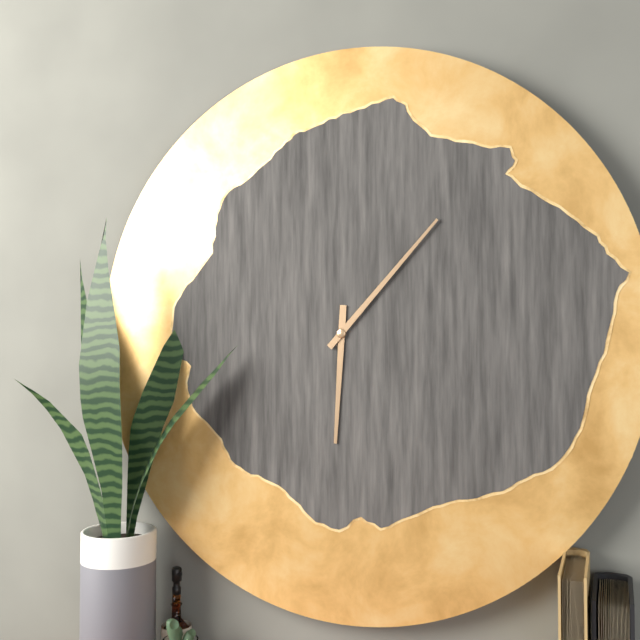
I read 6.07
